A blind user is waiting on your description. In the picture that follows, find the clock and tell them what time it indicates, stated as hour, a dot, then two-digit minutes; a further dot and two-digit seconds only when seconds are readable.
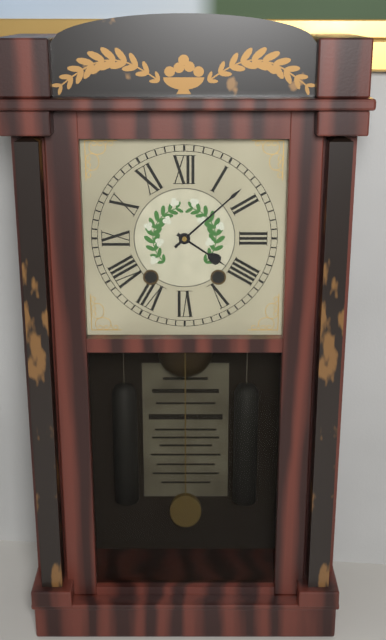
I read 4.08
